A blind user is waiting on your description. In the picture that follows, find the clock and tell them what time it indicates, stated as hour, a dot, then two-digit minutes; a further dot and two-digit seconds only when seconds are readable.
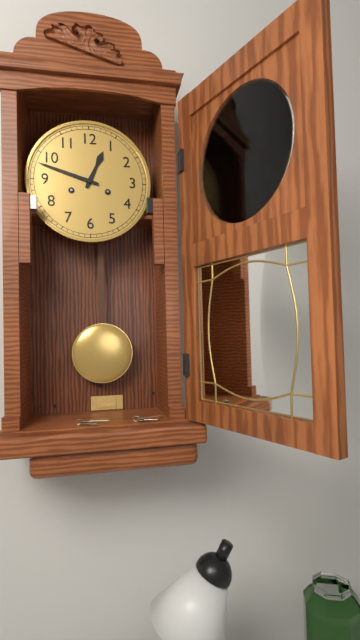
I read 12.48
